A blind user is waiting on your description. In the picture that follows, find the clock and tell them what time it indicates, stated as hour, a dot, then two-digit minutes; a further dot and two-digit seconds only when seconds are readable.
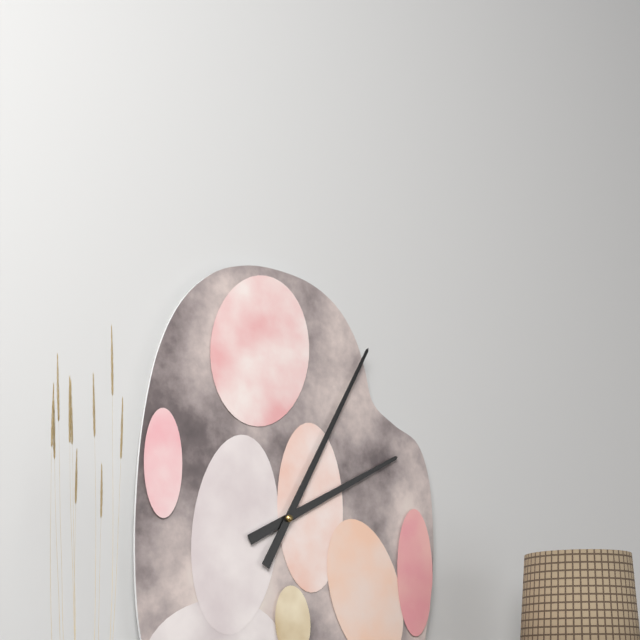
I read 2.05
